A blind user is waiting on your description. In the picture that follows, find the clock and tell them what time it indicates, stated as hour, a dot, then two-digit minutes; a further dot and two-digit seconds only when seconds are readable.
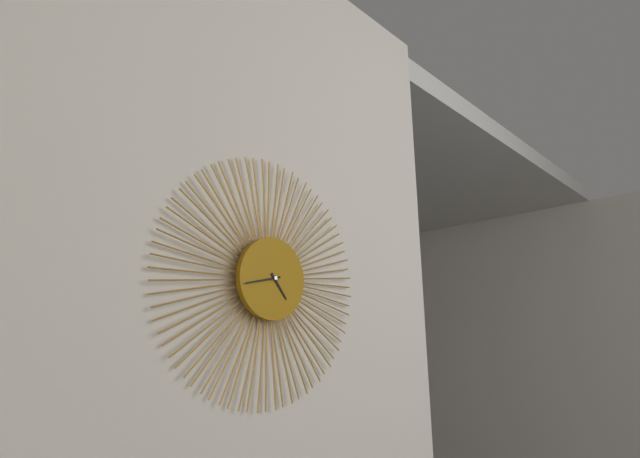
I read 4.43
